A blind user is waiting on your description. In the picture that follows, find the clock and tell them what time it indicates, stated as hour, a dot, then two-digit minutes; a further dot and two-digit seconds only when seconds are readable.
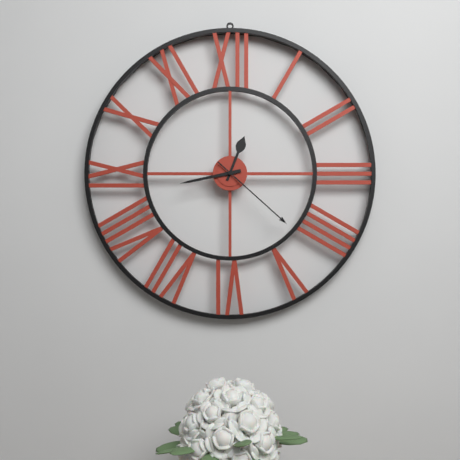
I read 12.43.22
